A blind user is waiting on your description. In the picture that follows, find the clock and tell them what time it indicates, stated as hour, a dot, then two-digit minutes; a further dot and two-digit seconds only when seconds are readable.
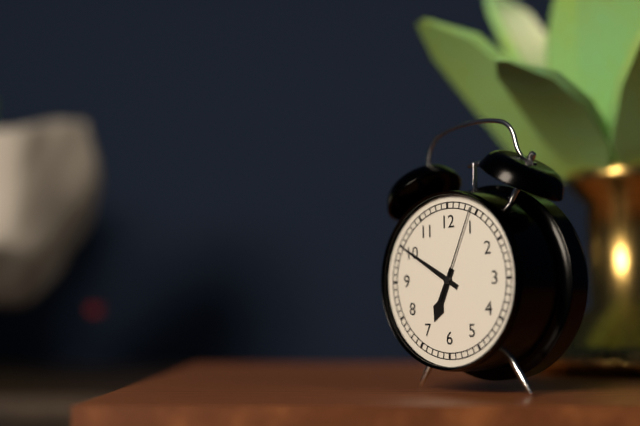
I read 6.50.04
